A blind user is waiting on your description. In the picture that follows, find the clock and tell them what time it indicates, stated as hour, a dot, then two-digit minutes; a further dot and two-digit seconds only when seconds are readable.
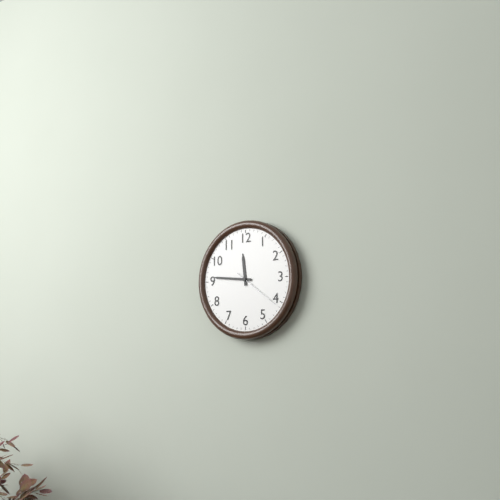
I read 11.46
